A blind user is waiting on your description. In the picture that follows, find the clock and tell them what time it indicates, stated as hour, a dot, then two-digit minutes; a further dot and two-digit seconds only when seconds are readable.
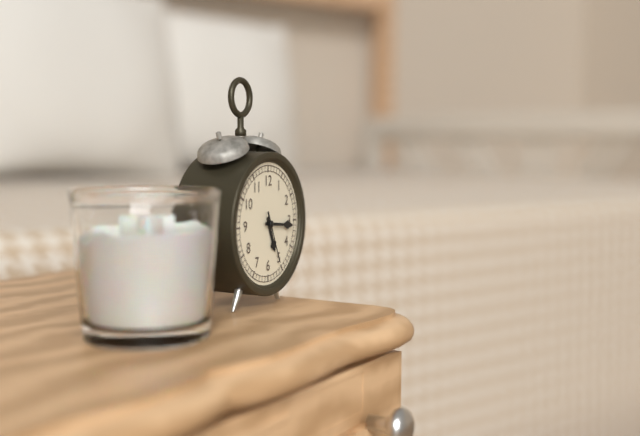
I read 5.16.26
